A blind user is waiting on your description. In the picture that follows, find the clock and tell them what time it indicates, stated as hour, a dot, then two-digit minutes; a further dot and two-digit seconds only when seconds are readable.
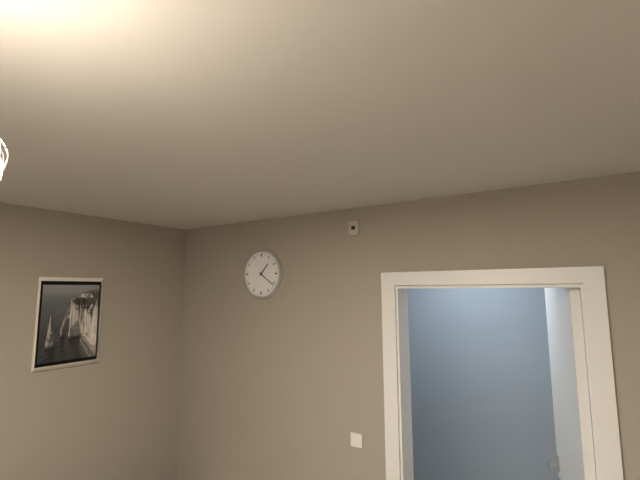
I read 1.21
